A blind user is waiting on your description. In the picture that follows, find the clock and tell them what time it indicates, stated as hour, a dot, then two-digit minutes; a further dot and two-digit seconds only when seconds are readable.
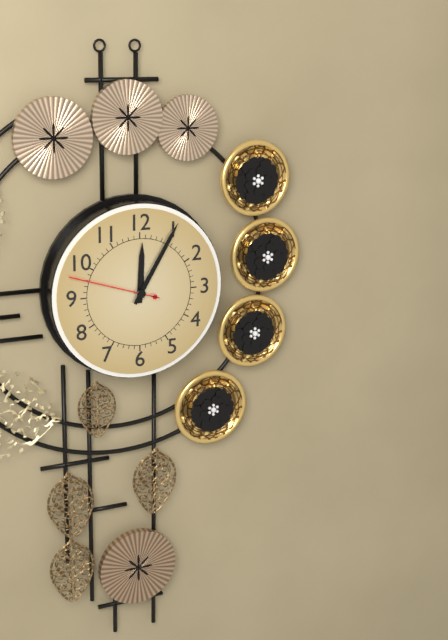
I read 12.05.48
